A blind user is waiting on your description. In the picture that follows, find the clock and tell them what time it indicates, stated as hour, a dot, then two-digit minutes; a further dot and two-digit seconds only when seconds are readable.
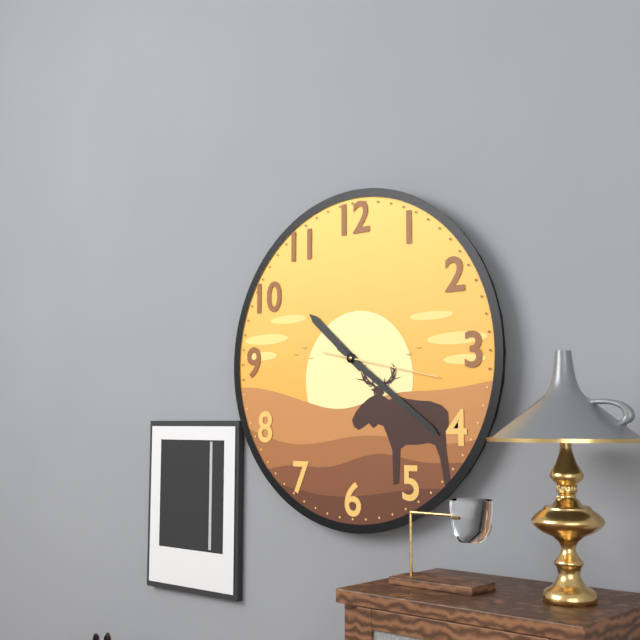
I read 10.21.17
